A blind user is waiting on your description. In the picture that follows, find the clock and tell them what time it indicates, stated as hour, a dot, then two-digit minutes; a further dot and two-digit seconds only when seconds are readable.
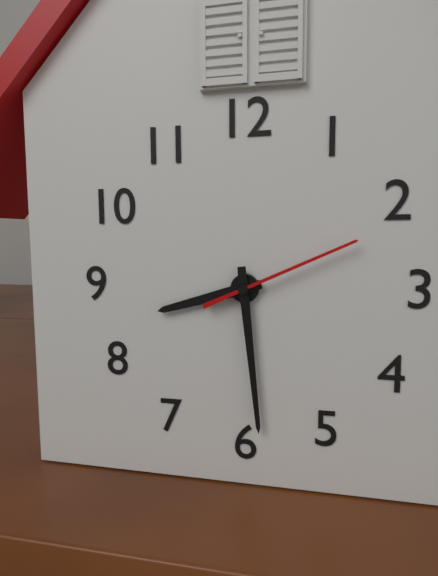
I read 8.29.11
